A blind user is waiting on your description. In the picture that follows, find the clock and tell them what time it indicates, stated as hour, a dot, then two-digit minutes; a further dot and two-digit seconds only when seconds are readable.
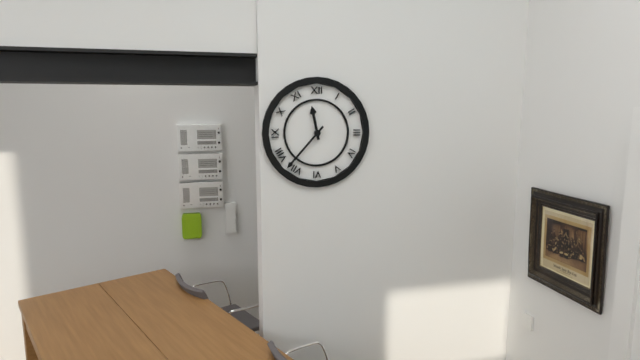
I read 11.37
